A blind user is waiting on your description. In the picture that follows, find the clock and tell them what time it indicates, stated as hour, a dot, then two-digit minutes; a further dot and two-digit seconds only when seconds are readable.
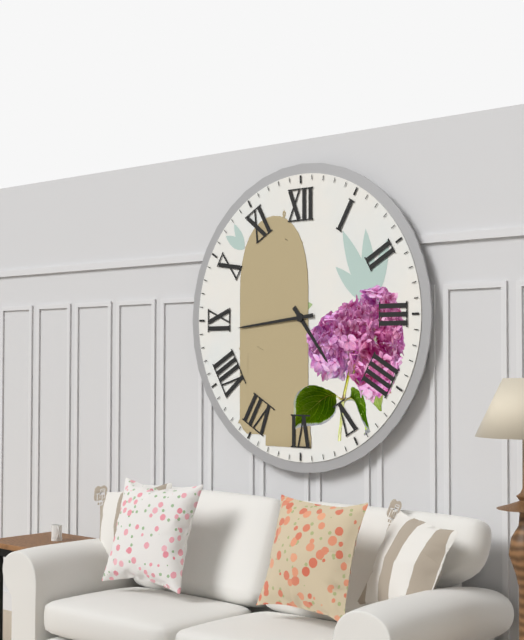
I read 4.44
